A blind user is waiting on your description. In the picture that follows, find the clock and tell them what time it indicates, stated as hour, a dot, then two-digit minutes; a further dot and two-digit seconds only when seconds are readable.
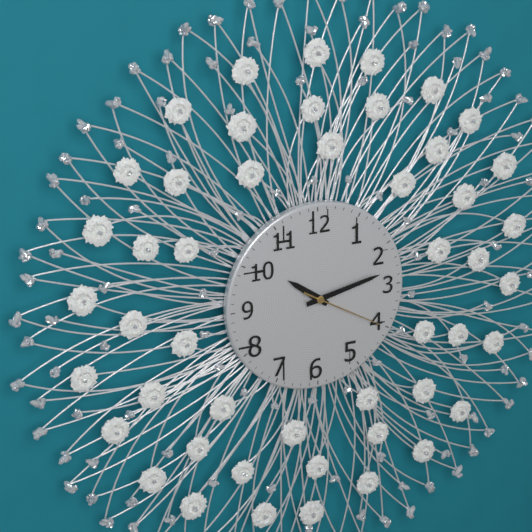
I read 10.13.20
